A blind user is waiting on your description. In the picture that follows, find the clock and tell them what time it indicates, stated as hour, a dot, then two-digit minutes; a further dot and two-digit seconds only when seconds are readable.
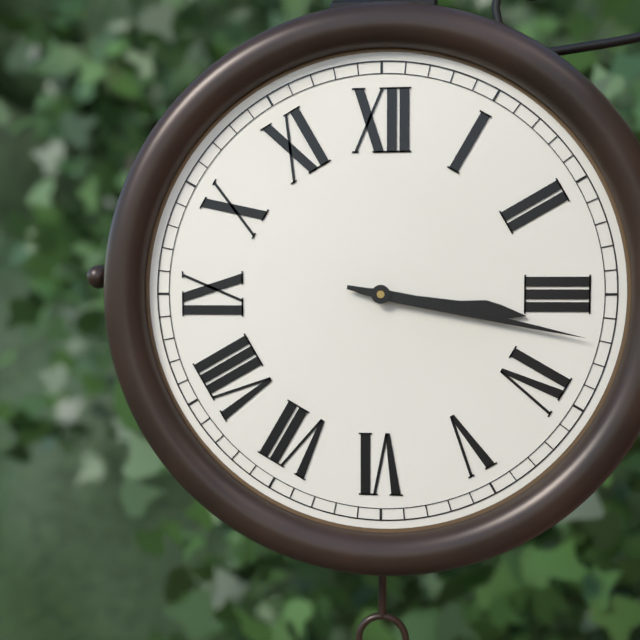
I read 3.17
